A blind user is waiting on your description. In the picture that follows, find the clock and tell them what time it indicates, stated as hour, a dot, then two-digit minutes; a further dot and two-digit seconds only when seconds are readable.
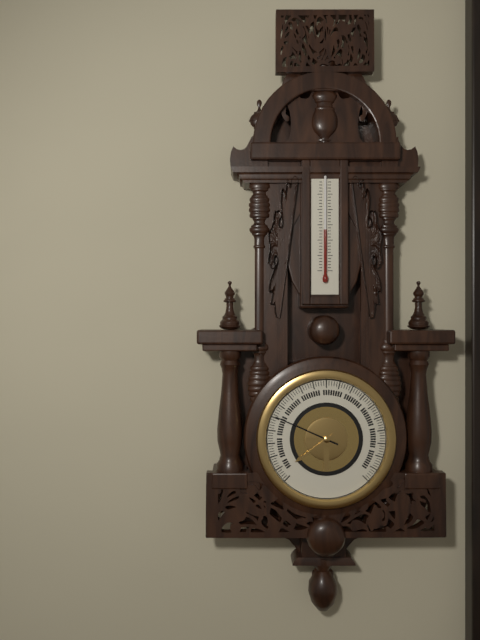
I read 7.49
